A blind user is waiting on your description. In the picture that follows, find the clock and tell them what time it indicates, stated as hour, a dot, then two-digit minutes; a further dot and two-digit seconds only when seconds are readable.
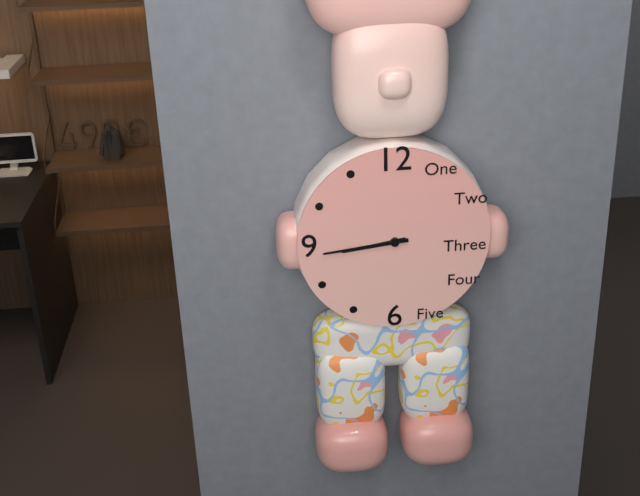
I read 8.44
